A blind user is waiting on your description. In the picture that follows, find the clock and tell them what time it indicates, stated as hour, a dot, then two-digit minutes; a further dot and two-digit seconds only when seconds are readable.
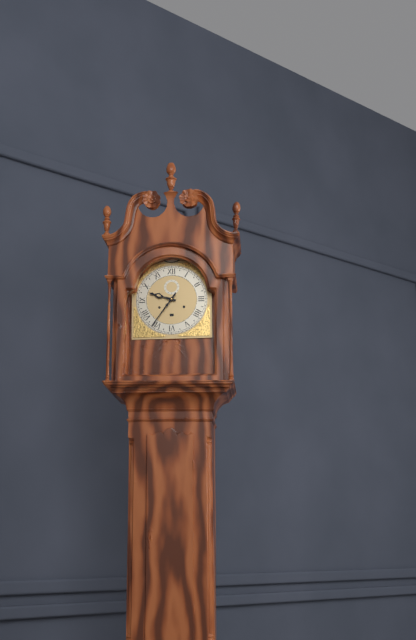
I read 9.36
